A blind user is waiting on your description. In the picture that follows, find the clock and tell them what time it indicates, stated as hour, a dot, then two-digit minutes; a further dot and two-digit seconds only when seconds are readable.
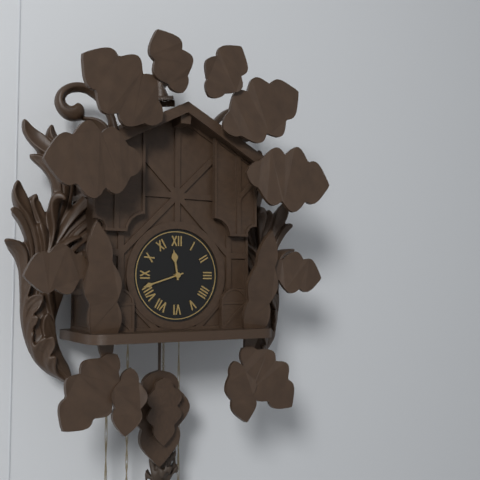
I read 11.42
